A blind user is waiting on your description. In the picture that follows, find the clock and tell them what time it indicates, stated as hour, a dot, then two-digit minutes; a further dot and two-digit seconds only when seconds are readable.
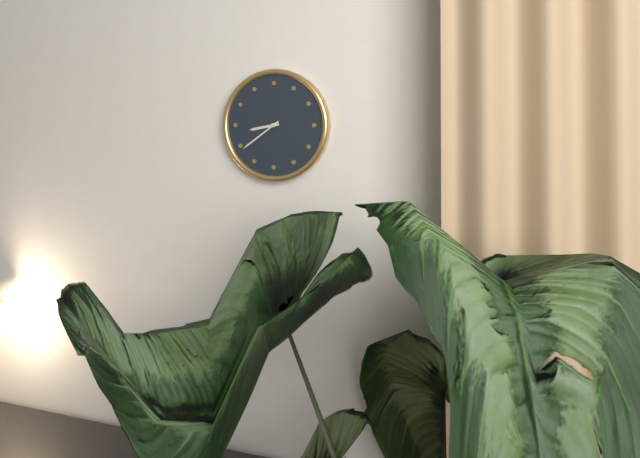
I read 8.39
